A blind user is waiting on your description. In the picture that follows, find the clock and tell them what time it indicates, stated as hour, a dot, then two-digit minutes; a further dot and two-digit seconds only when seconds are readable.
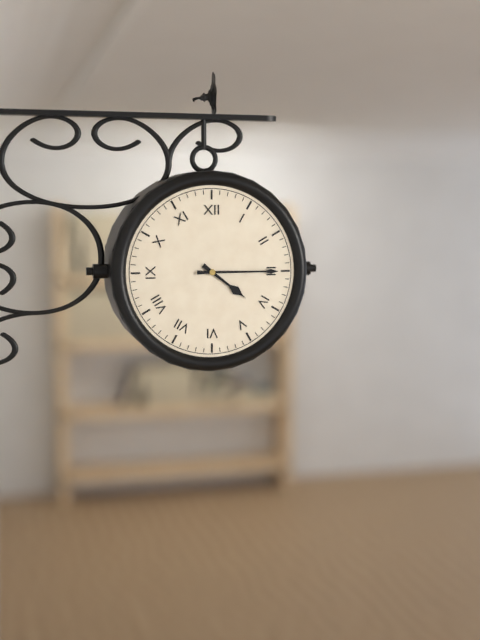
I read 4.15
